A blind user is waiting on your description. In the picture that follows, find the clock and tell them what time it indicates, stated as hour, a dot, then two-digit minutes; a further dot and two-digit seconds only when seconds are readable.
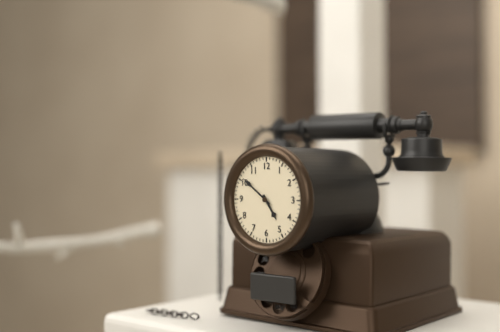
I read 4.51
